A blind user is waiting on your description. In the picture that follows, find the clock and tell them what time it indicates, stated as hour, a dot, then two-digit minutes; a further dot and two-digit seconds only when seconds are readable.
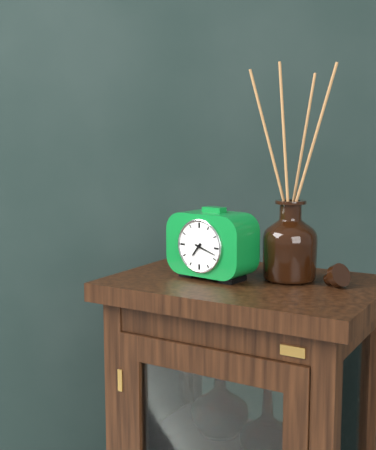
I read 7.18
